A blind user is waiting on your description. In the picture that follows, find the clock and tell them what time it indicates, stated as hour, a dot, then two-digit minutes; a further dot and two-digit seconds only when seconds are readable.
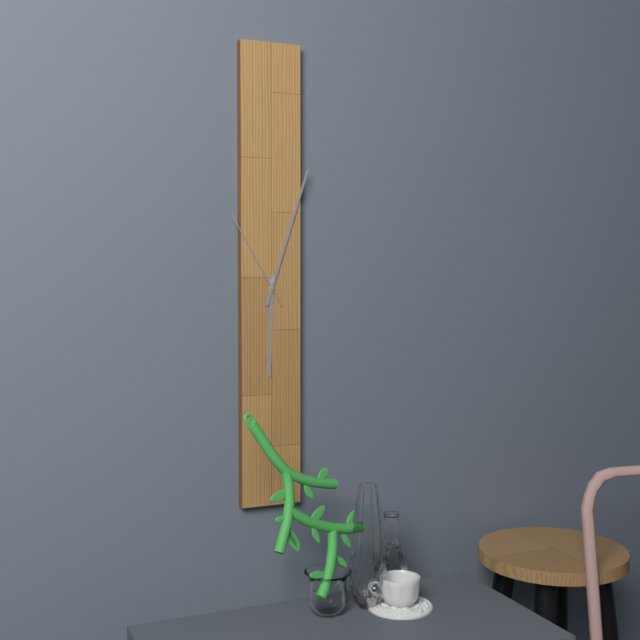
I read 6.03.55
